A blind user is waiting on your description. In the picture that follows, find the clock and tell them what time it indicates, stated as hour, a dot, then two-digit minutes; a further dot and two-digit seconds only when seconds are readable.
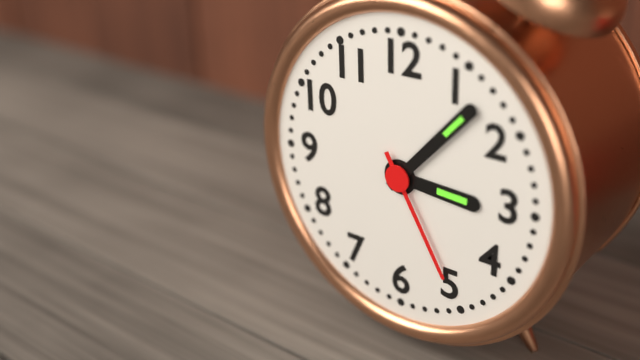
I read 3.07.25
